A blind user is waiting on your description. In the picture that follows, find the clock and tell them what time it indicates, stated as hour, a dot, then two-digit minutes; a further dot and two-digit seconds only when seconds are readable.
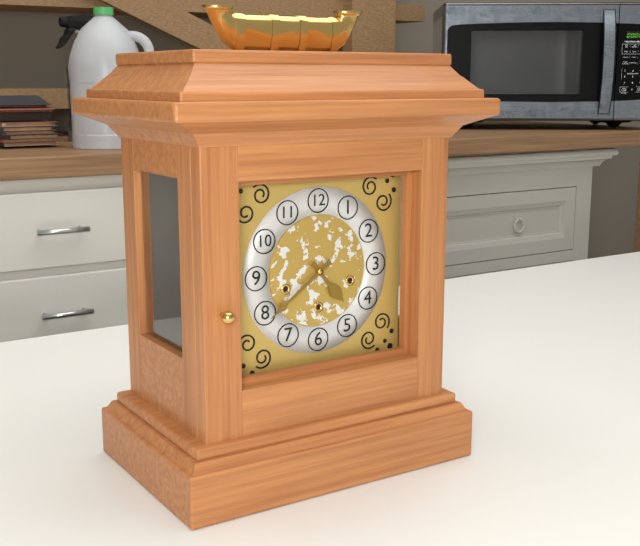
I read 4.39
